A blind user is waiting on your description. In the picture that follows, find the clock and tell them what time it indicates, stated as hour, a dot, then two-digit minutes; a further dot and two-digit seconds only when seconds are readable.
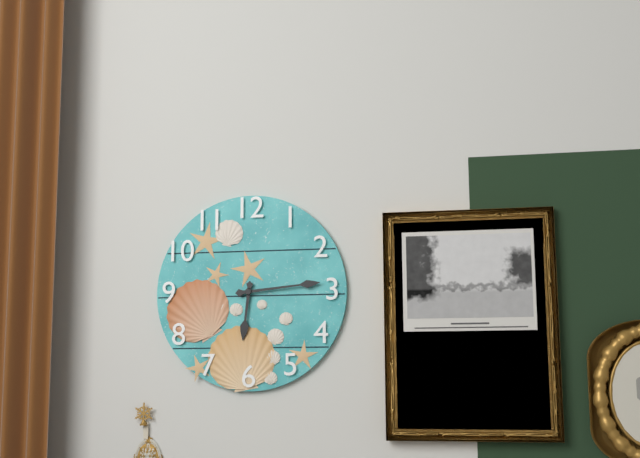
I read 6.14
